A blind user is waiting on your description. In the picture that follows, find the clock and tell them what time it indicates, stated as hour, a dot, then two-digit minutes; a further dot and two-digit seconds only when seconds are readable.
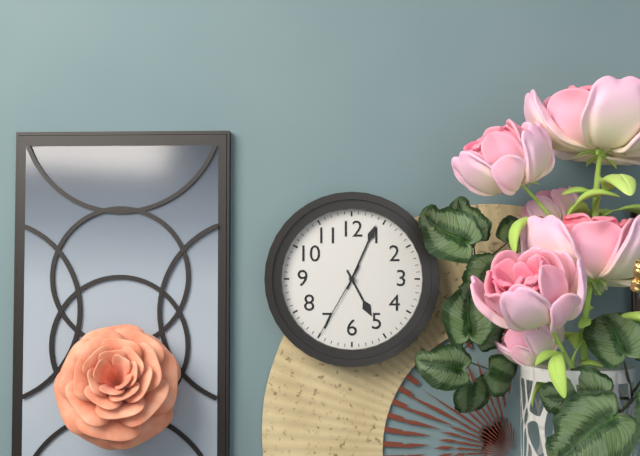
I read 5.04.35
